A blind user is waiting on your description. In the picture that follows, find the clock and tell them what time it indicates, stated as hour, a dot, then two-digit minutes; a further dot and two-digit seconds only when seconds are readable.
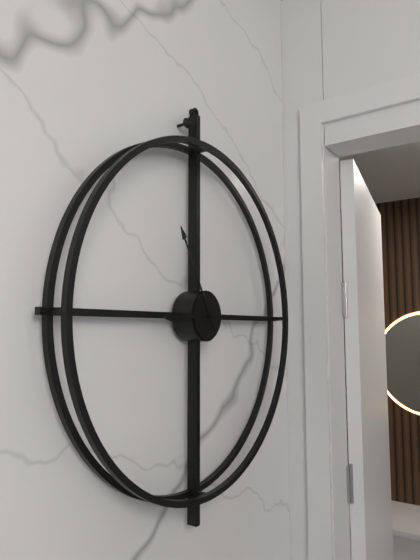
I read 8.55
